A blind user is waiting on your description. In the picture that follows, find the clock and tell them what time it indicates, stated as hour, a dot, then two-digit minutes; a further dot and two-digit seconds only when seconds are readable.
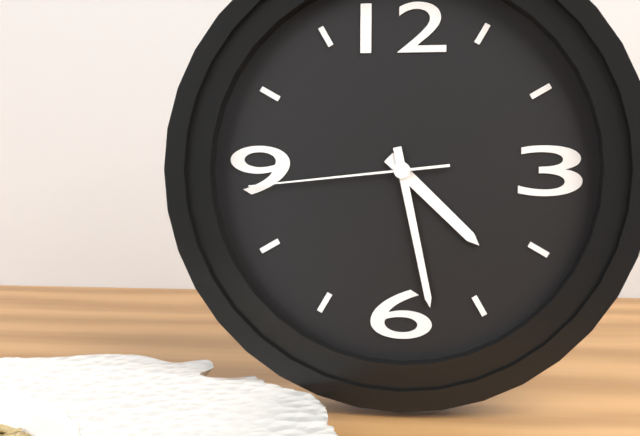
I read 4.28.44
